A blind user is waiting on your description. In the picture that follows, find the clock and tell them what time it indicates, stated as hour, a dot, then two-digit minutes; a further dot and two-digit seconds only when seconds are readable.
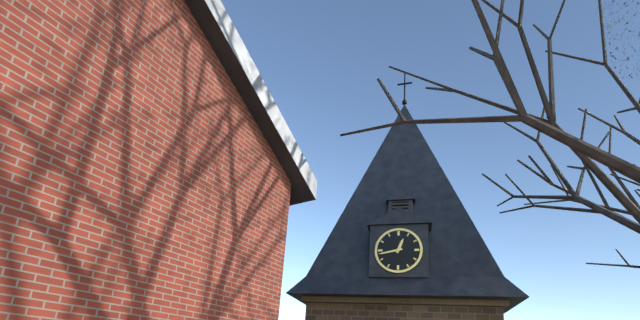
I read 12.43
